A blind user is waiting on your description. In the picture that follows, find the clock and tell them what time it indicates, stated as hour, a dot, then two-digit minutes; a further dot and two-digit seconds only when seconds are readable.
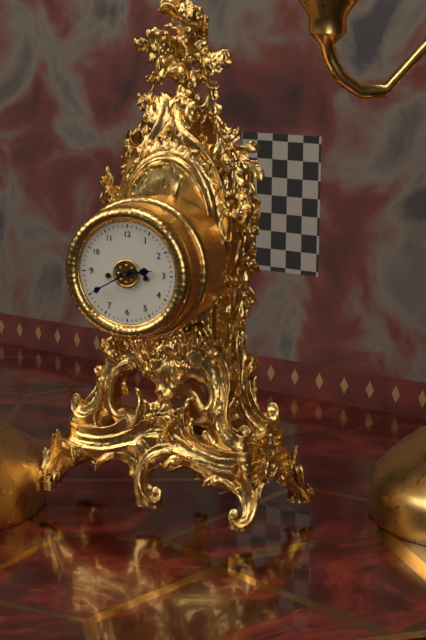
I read 2.40
